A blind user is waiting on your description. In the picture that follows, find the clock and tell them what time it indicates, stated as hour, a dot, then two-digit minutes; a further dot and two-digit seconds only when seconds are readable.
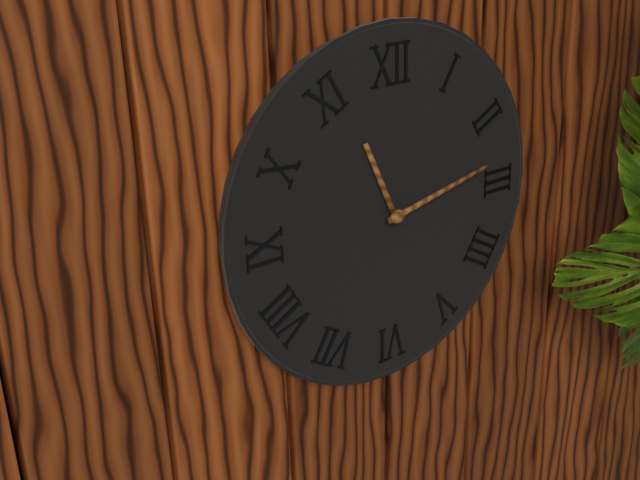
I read 11.13
